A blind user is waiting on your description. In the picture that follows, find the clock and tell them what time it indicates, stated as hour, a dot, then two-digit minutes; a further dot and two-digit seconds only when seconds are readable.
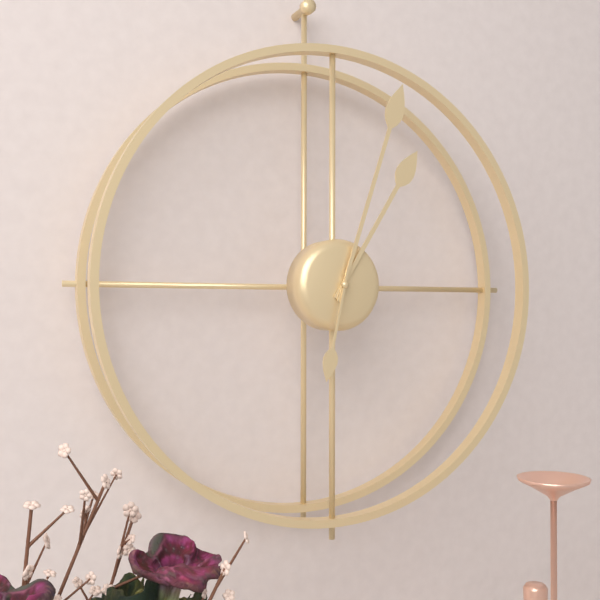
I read 1.03.32
